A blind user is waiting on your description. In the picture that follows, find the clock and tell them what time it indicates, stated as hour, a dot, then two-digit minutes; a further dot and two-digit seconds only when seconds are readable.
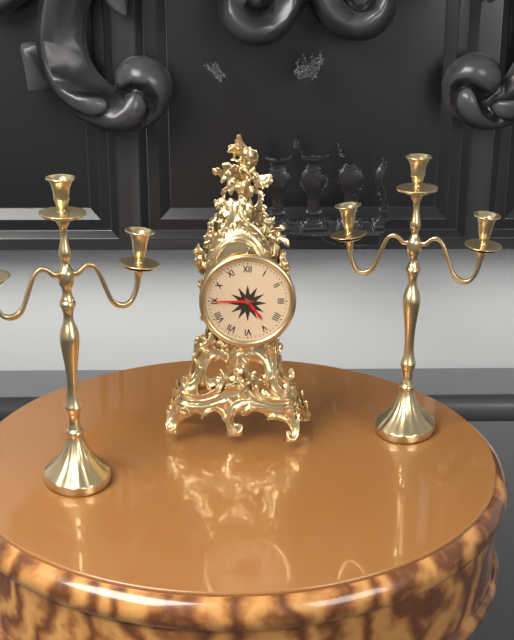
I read 4.45
